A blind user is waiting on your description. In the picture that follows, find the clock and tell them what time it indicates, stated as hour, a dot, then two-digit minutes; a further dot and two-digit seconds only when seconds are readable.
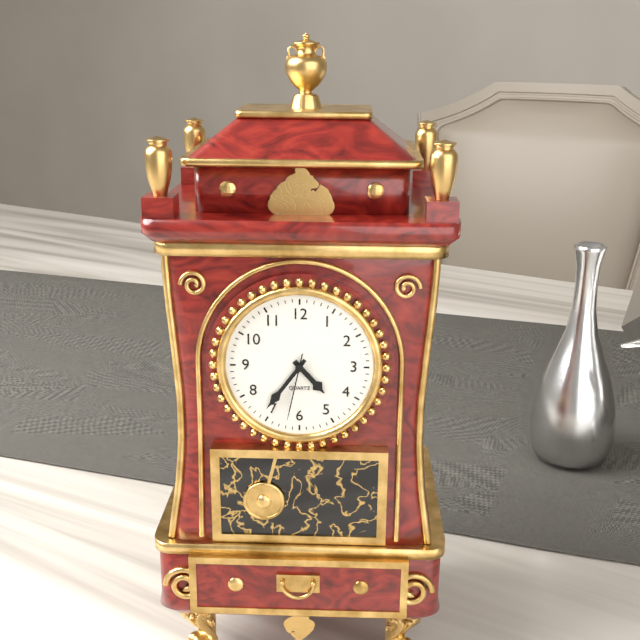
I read 4.36.32
